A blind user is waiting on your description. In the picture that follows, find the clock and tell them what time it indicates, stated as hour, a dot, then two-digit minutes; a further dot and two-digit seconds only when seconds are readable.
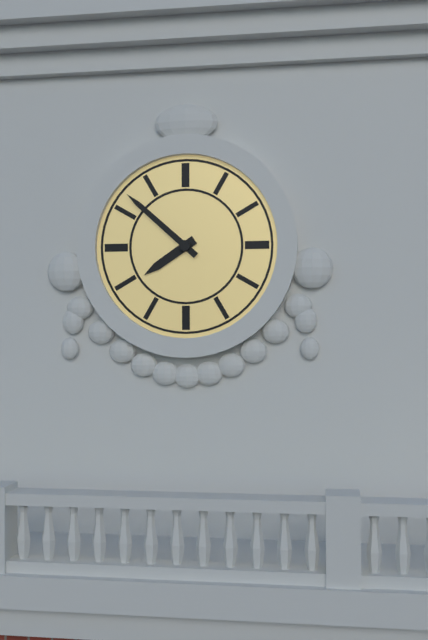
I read 7.52
